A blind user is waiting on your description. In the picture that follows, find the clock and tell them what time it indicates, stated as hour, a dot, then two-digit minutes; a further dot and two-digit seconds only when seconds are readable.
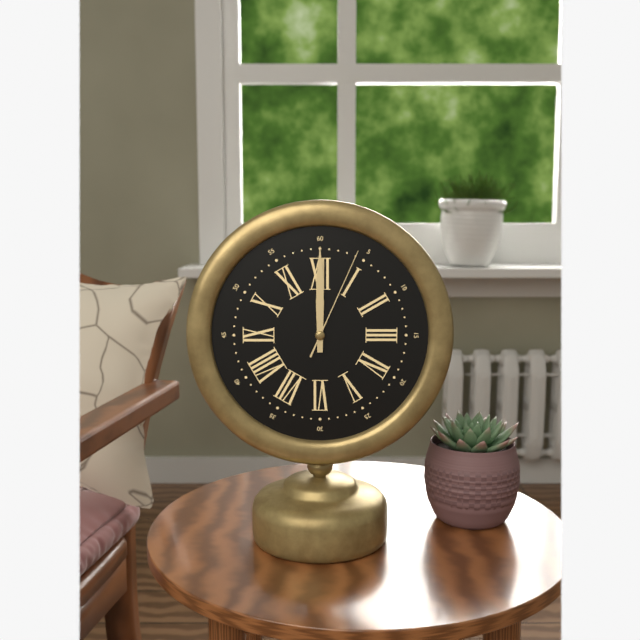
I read 12.00.04
